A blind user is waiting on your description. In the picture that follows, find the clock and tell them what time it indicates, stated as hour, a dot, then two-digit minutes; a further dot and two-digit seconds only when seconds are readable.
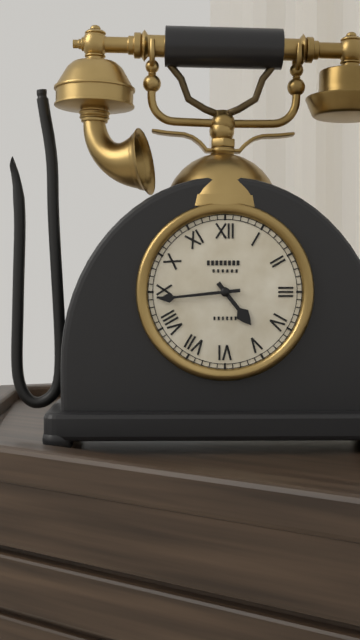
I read 4.44
